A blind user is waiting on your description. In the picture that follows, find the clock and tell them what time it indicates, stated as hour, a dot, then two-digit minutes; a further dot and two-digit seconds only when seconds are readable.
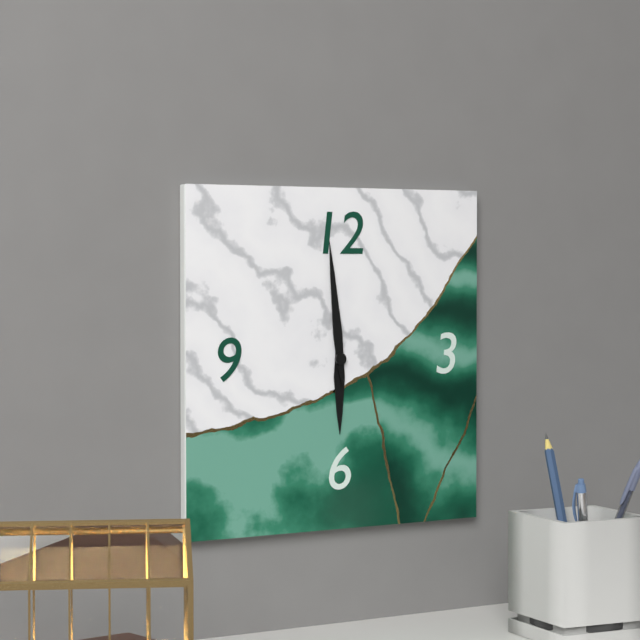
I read 5.59
